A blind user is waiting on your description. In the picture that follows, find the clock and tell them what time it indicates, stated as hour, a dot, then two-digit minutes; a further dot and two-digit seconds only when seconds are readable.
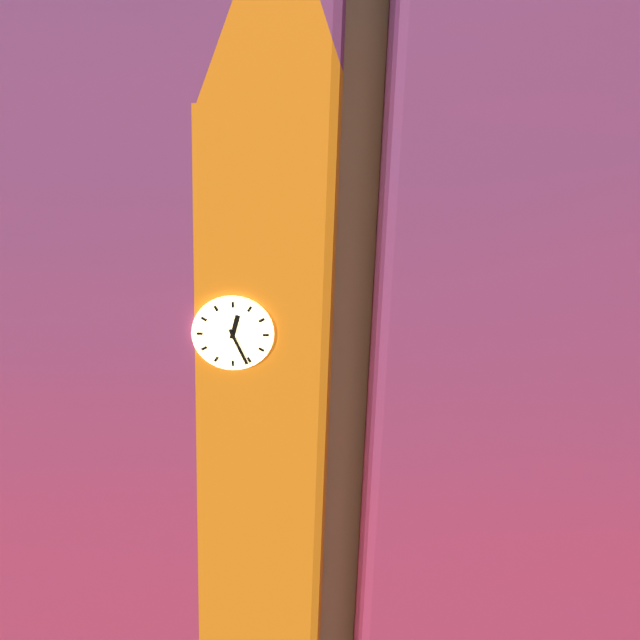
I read 12.26
